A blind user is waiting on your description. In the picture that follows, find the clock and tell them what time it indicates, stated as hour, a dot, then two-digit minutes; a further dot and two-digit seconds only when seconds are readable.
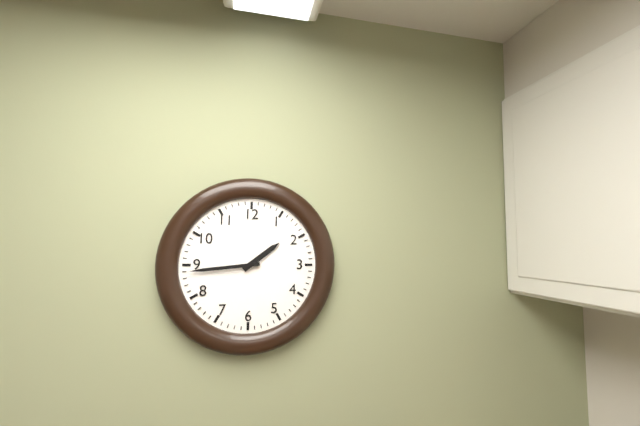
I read 1.44
